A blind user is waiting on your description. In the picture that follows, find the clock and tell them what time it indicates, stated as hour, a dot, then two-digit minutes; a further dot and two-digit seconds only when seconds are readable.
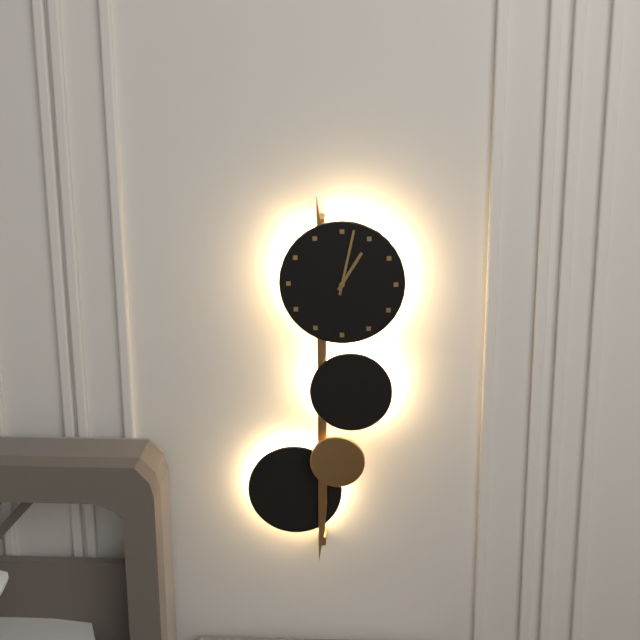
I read 1.02
